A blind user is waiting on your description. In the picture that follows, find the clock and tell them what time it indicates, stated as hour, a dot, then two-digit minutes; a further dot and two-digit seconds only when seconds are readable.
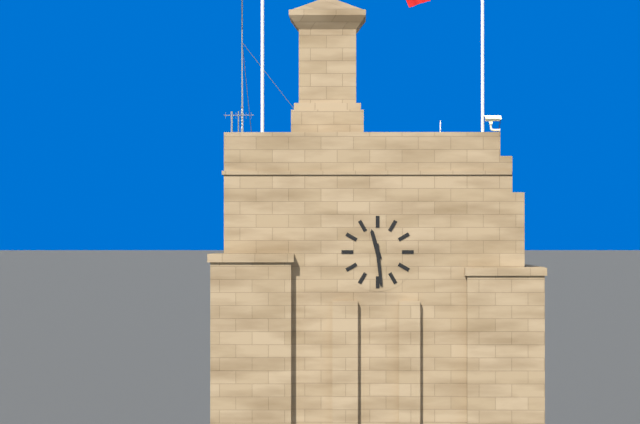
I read 11.29
